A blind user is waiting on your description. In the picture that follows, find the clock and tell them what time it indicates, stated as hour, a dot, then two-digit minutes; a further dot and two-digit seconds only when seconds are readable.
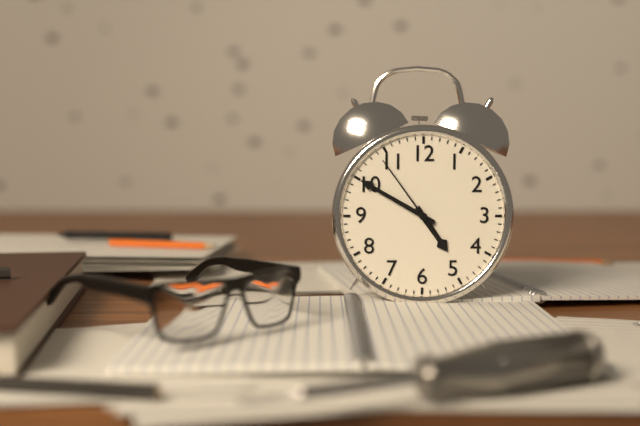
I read 4.50.54
